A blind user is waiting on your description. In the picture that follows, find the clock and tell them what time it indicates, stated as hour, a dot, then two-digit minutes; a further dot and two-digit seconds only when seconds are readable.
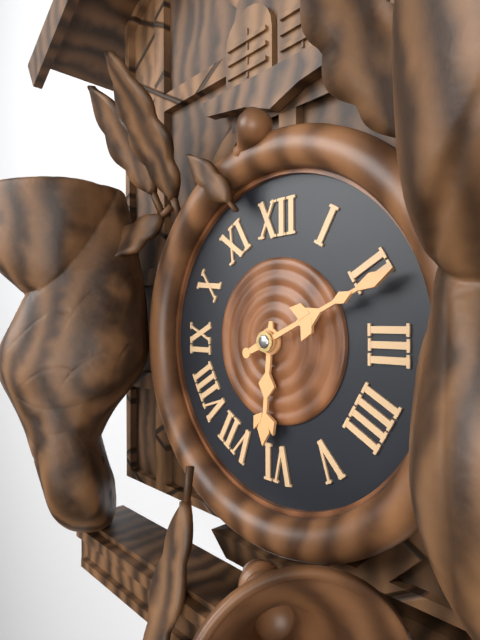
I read 6.11
